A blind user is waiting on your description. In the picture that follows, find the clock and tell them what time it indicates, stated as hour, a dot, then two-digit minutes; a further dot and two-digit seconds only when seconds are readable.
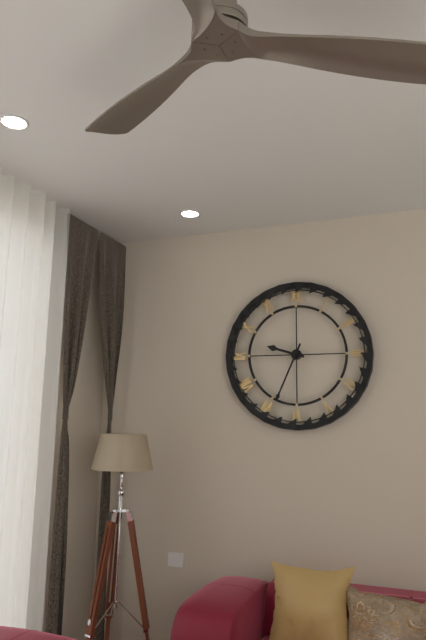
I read 9.34
